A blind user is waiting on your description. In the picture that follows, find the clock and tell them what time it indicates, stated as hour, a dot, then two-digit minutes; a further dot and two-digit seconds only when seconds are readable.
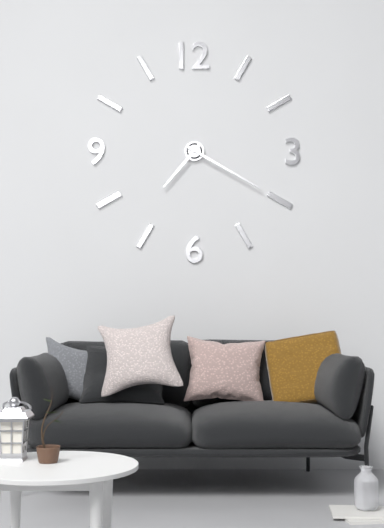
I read 7.20
